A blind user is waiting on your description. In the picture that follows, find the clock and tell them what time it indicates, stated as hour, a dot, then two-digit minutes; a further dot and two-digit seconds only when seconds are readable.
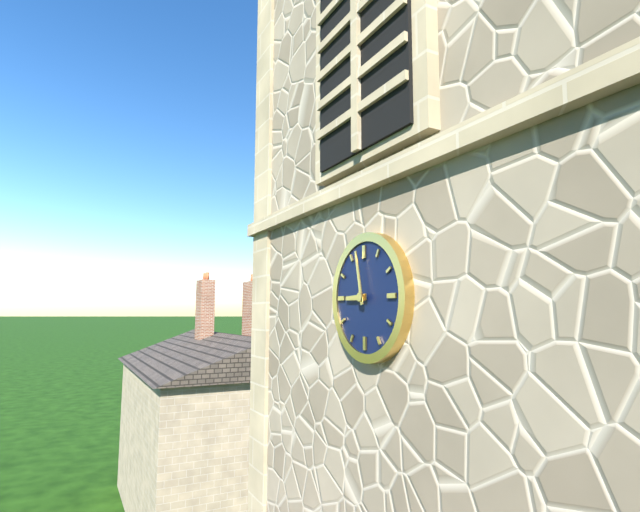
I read 8.58
